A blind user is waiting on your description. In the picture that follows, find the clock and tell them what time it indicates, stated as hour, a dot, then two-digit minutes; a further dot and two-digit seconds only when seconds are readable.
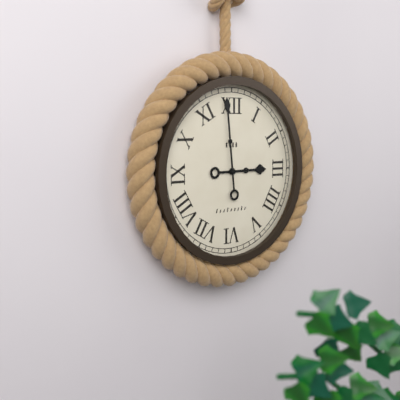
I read 2.59
